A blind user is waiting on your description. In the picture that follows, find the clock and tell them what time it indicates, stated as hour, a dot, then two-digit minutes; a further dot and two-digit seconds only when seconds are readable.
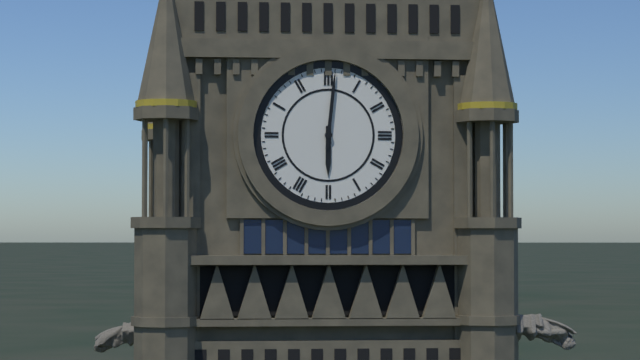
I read 6.01
